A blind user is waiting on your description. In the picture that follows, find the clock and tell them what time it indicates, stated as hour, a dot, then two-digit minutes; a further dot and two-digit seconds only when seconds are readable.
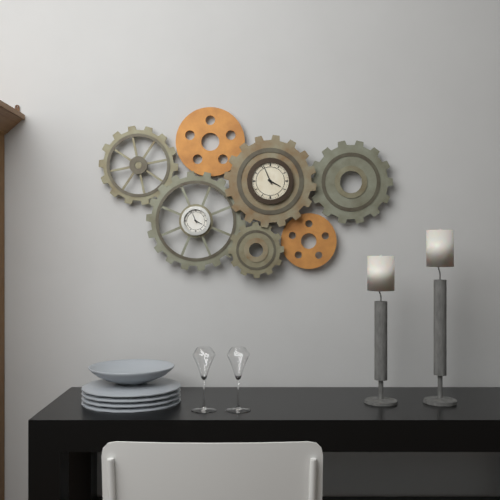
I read 3.56
